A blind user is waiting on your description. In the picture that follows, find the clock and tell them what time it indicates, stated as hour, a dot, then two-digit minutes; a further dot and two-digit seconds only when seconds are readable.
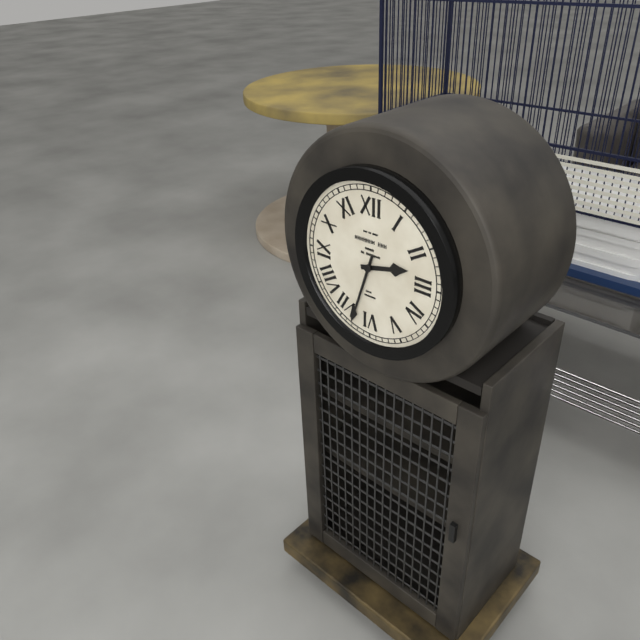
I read 2.33
